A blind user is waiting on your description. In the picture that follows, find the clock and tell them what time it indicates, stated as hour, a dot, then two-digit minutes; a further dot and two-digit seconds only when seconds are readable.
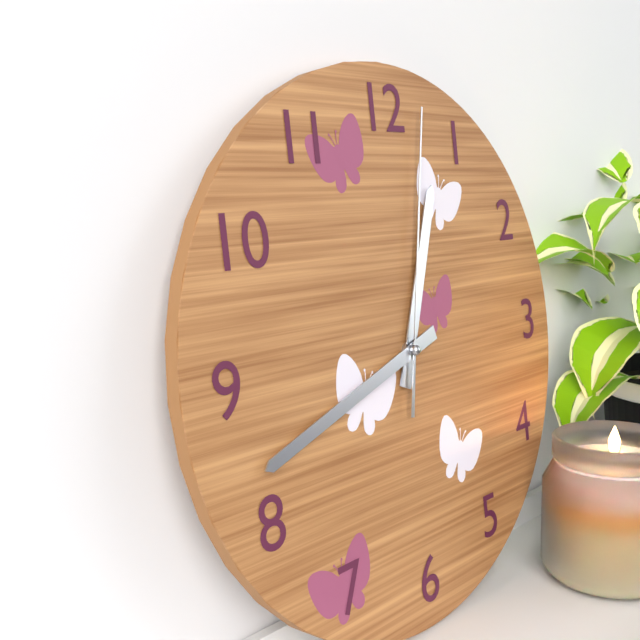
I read 12.42.02
